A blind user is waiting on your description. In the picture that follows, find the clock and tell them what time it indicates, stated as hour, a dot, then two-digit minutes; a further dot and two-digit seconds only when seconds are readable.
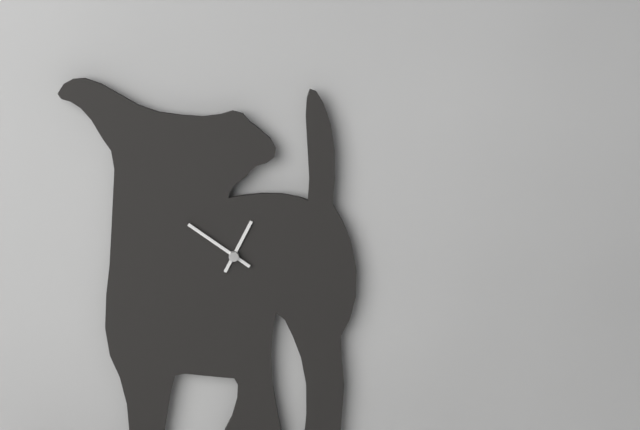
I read 12.51
